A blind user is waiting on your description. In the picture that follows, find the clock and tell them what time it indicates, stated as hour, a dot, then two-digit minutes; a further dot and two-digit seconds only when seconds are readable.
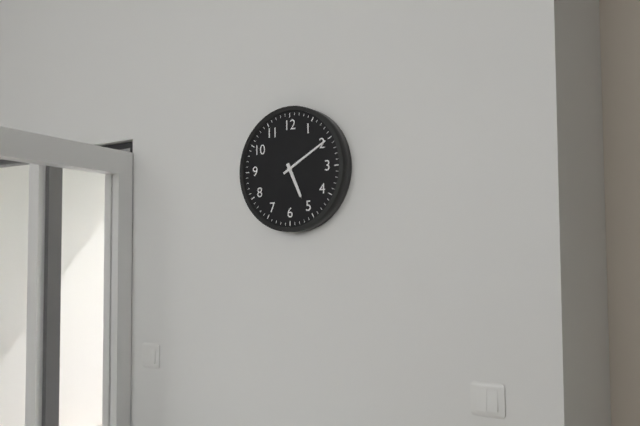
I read 5.10
